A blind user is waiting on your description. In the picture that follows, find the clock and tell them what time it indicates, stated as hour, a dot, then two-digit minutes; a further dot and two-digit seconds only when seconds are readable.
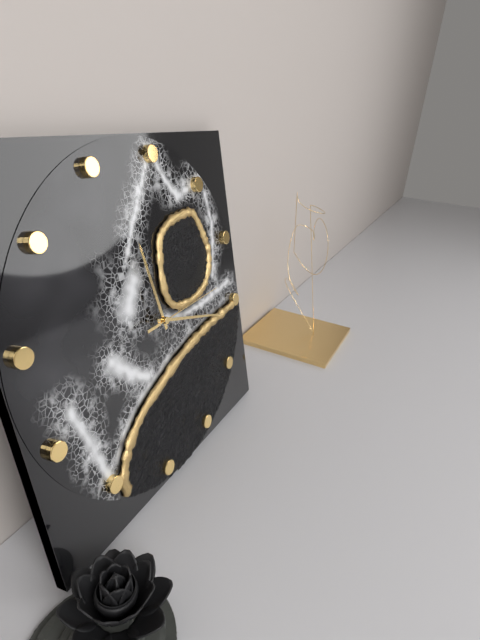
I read 11.16.13
